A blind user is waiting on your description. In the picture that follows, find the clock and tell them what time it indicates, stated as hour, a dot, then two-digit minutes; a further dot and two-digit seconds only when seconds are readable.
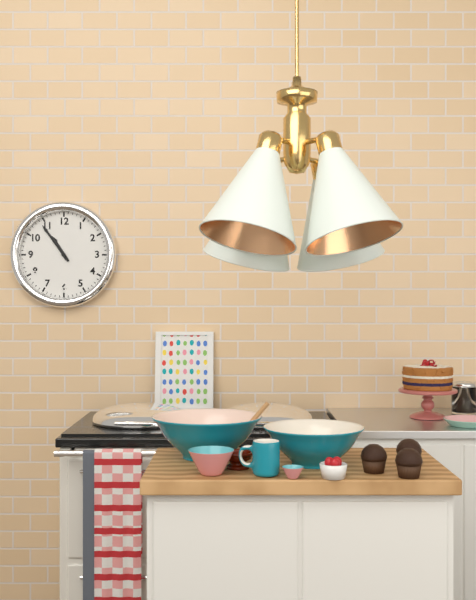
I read 10.54
